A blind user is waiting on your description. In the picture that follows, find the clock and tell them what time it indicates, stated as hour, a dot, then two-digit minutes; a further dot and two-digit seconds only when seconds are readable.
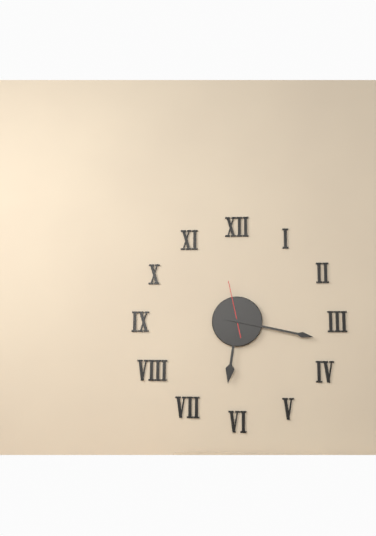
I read 6.17.58
